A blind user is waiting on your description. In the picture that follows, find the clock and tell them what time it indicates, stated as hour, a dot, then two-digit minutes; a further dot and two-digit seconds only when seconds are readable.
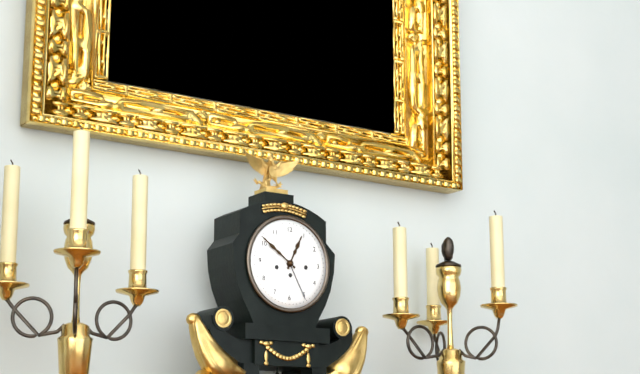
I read 12.51
